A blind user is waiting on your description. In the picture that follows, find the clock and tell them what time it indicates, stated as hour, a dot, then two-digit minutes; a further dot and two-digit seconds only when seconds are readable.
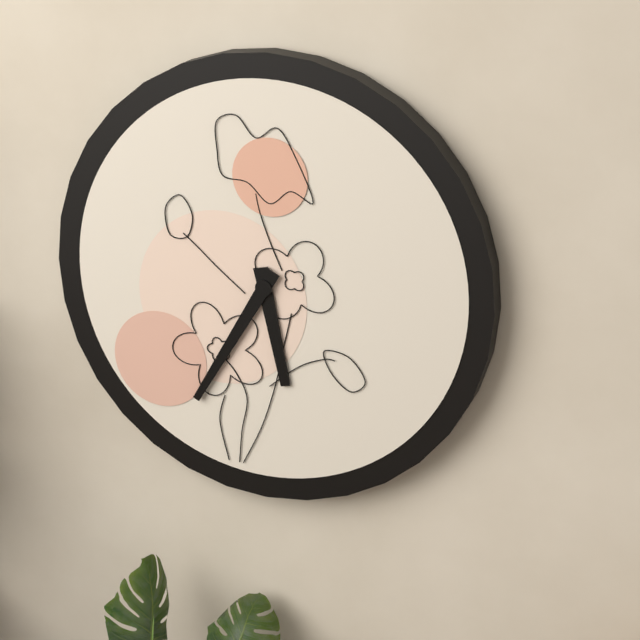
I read 5.35
